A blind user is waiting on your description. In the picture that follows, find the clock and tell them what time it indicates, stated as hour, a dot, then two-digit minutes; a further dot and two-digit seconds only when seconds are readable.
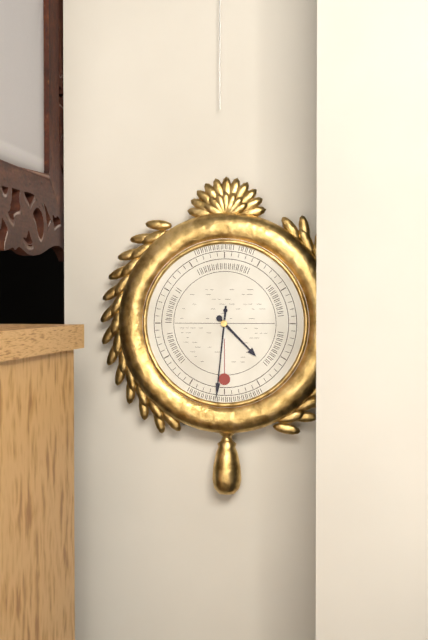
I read 4.31
